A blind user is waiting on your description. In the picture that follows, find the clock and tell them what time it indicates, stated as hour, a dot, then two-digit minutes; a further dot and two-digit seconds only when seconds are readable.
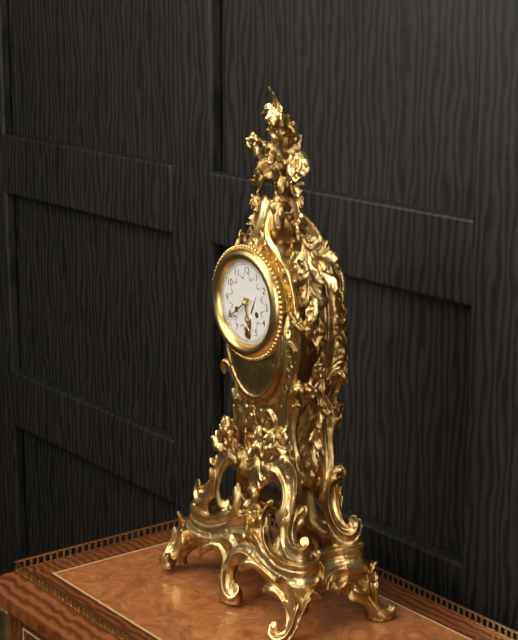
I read 5.39
